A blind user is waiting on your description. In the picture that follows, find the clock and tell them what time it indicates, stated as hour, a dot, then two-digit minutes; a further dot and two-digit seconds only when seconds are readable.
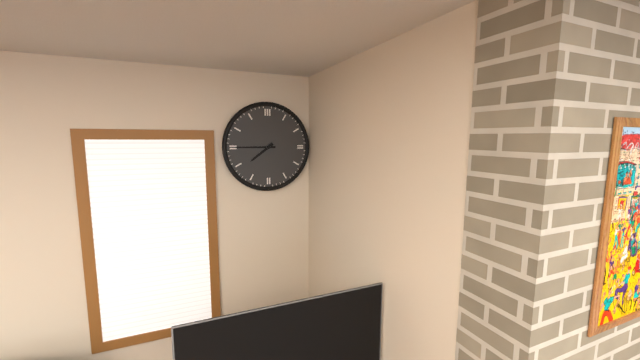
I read 7.45
